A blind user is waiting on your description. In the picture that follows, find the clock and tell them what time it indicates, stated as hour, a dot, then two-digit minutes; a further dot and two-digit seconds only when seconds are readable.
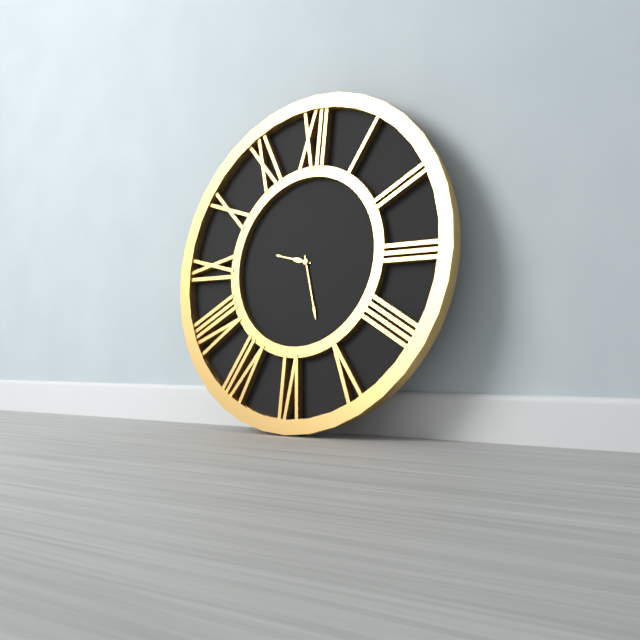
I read 9.27
